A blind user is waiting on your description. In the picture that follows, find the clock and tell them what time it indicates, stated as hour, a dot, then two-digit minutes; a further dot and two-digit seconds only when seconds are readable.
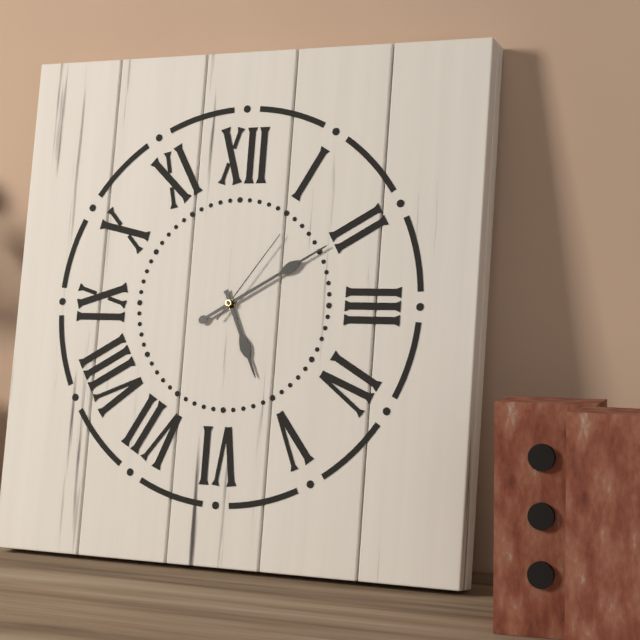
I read 5.10.06
